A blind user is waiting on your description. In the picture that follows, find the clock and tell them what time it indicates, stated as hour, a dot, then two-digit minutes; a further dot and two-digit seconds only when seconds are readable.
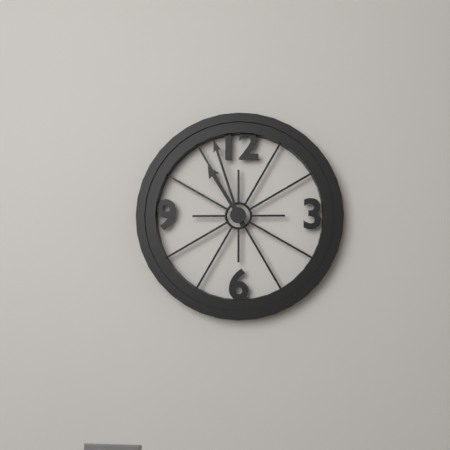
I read 10.57
